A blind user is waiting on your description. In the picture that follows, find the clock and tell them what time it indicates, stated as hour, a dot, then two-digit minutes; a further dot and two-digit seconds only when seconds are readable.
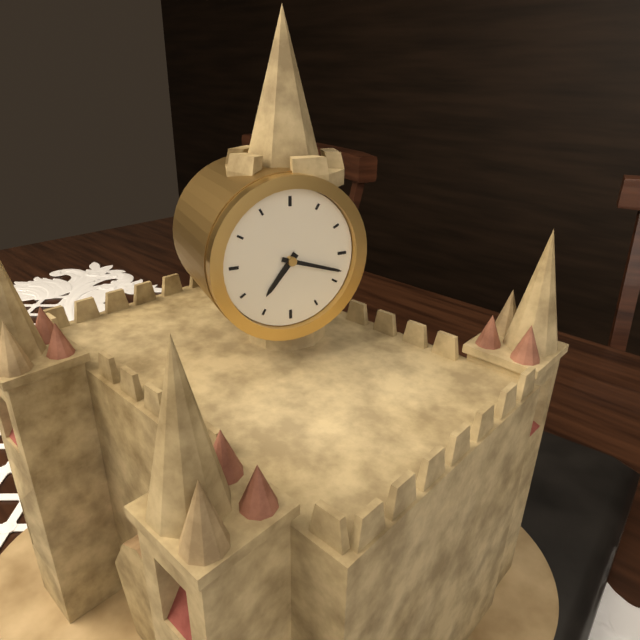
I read 7.18
